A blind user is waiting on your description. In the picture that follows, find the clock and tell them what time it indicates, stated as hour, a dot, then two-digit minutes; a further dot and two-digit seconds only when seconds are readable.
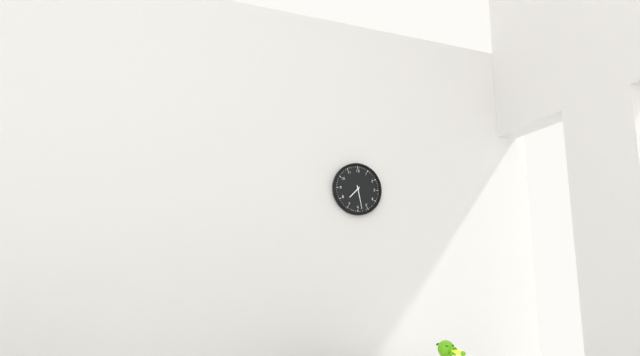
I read 7.28
